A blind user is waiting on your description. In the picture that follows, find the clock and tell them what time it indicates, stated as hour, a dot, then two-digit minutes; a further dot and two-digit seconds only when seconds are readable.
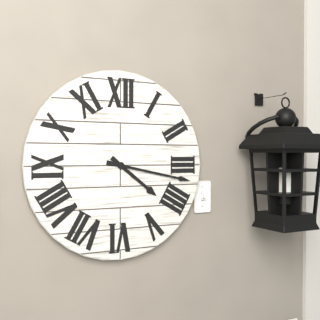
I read 4.17
